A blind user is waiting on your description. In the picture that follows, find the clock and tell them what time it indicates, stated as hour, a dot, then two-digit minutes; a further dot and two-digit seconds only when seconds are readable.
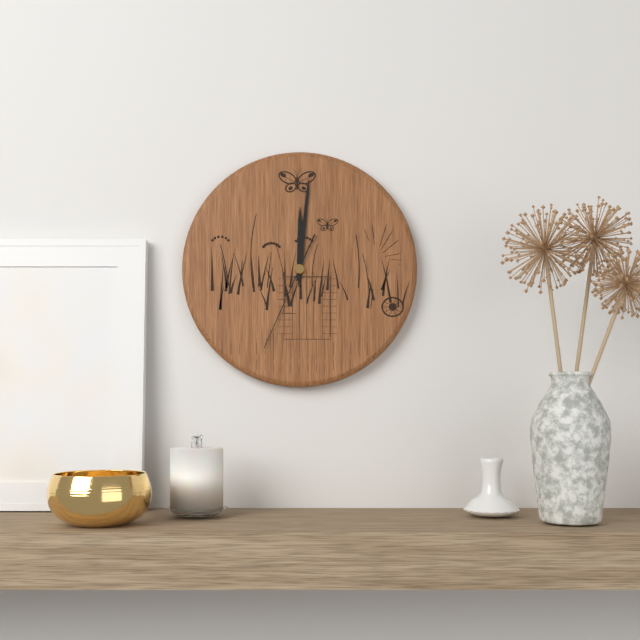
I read 12.01.34
